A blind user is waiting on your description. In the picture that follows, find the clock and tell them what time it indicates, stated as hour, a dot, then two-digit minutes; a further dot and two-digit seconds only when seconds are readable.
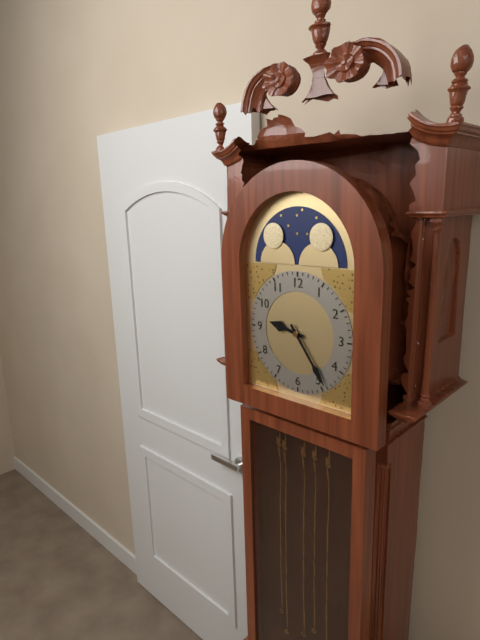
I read 9.24
